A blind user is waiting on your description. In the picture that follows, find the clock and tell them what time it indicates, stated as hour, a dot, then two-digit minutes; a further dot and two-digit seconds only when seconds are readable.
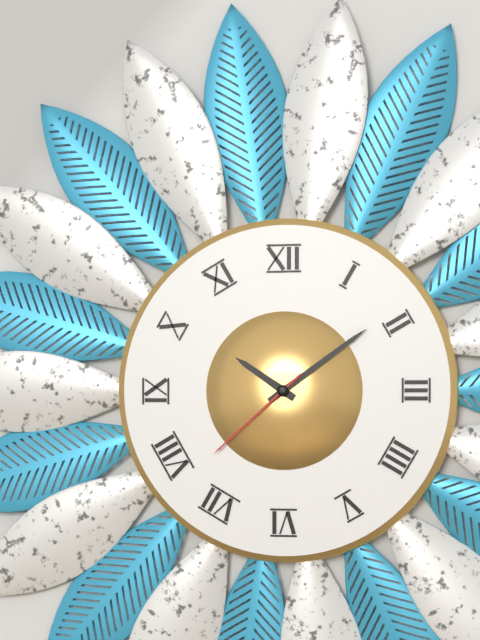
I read 10.09.38
